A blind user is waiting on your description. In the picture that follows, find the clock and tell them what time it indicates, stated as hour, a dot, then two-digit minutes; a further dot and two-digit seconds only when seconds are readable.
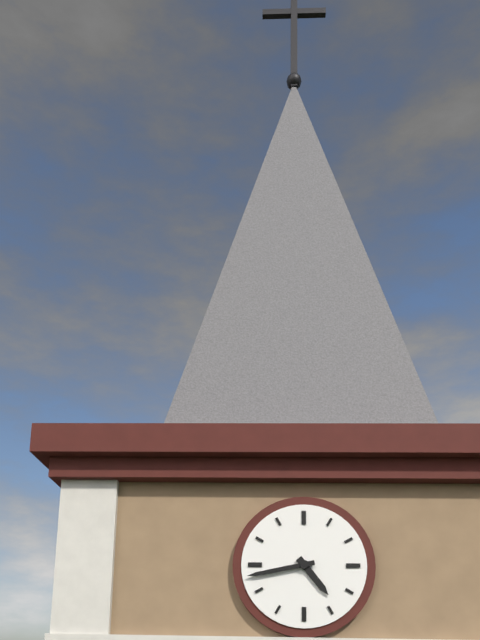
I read 4.43
